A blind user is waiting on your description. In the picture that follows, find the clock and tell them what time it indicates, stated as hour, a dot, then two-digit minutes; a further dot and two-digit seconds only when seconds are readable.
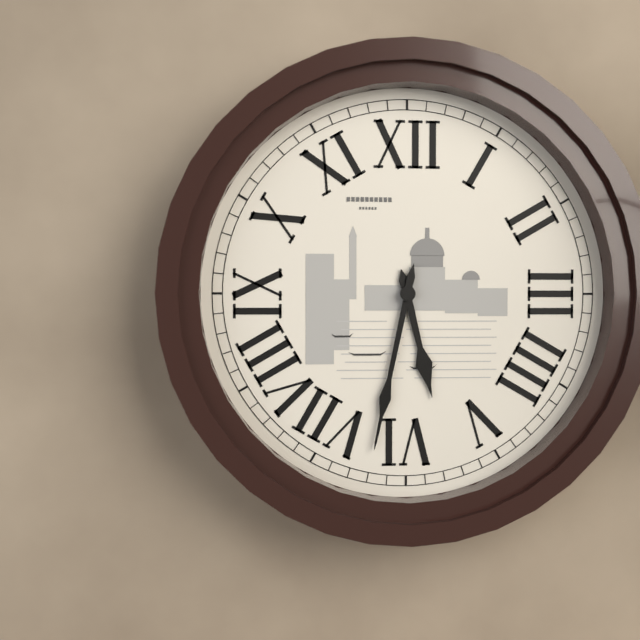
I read 5.32
